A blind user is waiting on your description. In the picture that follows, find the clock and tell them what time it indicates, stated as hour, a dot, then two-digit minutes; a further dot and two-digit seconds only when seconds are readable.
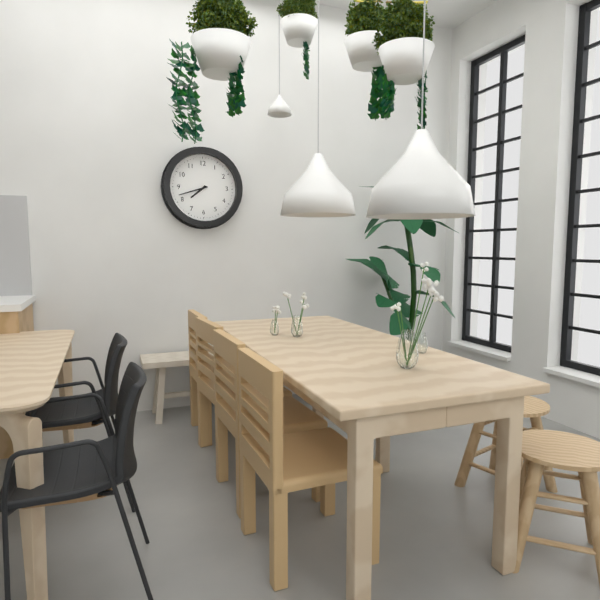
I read 7.42
